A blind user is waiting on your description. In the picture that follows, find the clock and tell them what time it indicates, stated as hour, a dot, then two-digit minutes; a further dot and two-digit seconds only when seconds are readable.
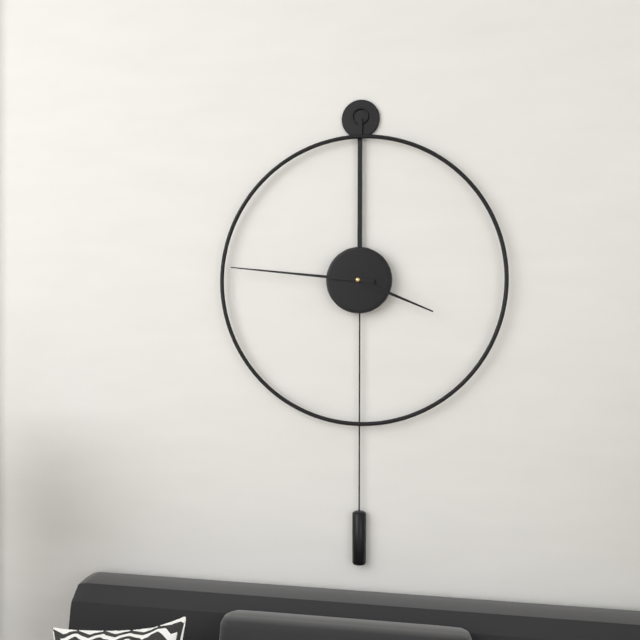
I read 3.46
